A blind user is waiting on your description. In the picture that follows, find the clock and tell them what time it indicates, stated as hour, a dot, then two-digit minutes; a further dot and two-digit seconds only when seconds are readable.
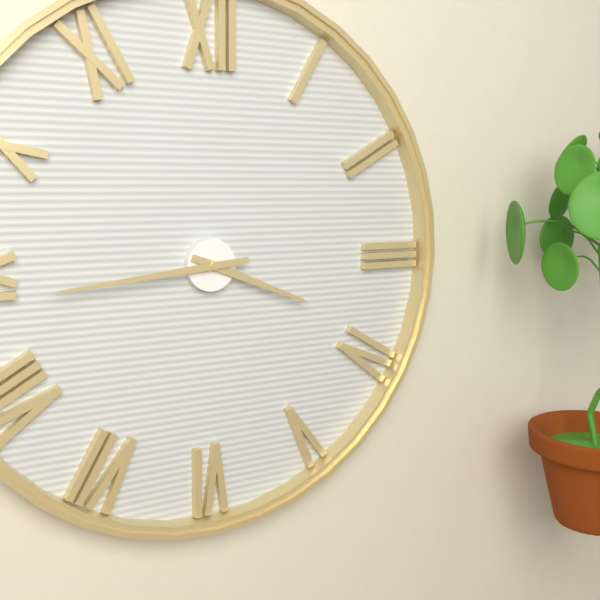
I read 3.44
